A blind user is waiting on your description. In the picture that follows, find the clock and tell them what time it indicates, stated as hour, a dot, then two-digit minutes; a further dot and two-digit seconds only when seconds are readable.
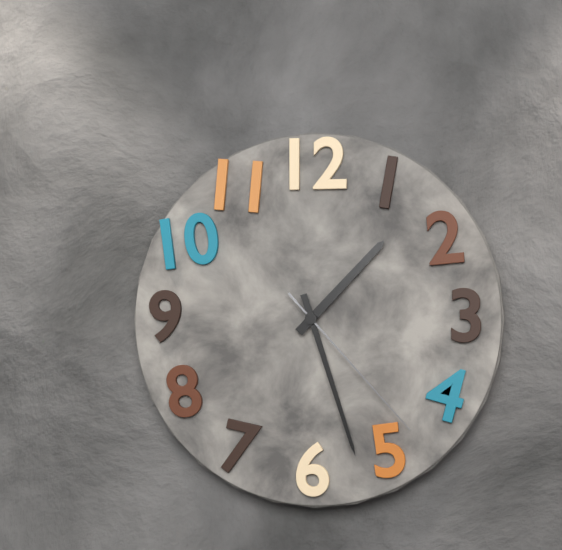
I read 1.27.23
